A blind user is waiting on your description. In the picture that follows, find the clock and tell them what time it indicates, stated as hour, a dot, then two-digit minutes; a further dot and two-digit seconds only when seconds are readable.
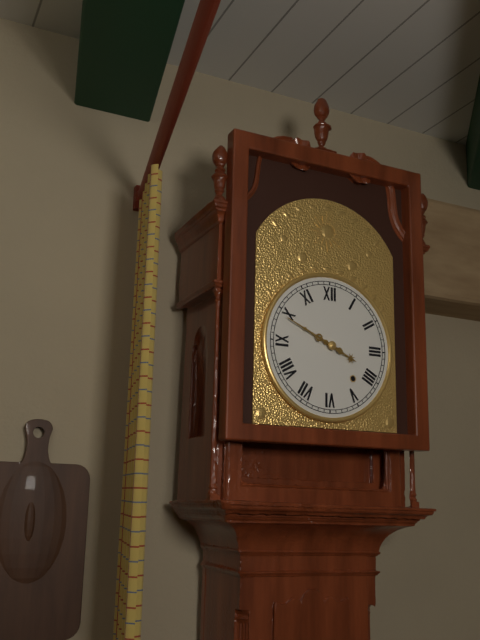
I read 3.49
